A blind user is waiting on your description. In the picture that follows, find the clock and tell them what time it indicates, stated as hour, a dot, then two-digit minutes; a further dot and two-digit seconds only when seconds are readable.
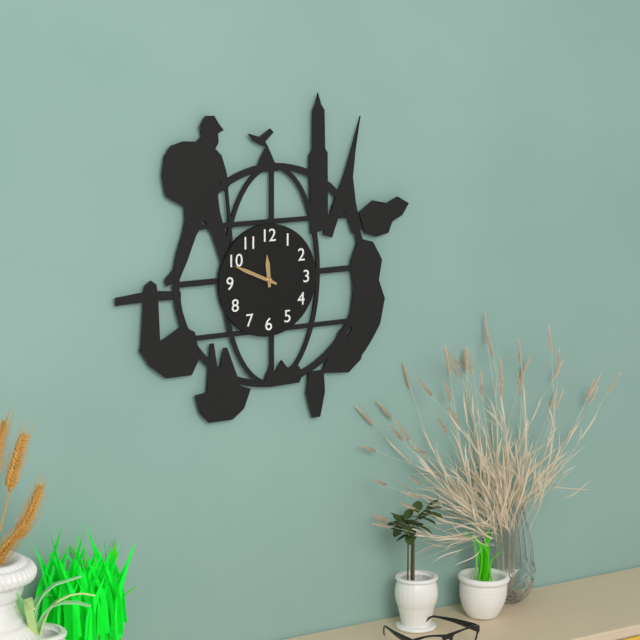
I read 11.49
